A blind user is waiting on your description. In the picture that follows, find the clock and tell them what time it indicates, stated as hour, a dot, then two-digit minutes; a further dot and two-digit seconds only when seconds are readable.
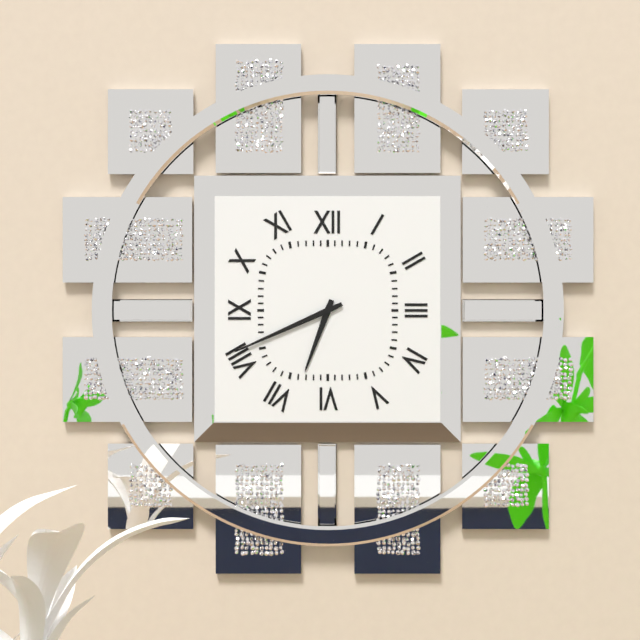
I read 6.41
